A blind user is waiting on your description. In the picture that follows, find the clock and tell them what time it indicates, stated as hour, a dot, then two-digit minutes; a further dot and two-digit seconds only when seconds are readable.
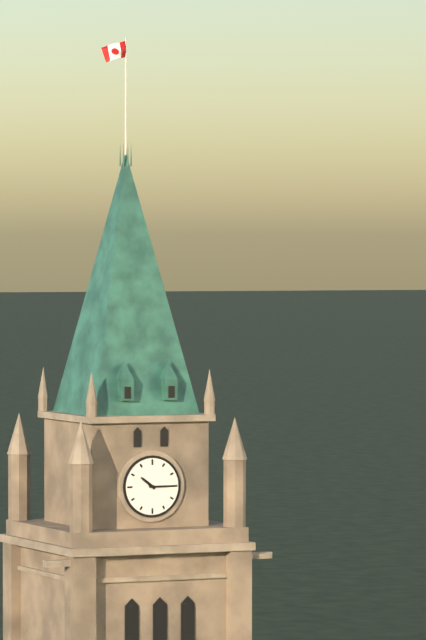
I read 10.15
